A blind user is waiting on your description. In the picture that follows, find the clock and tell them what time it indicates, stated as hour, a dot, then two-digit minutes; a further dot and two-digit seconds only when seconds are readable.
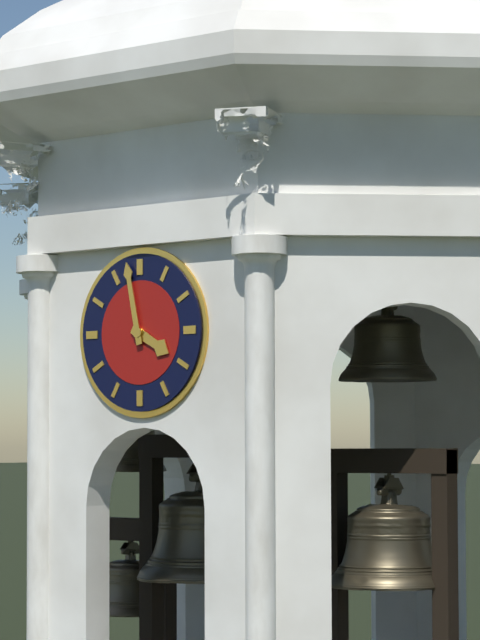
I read 3.58
